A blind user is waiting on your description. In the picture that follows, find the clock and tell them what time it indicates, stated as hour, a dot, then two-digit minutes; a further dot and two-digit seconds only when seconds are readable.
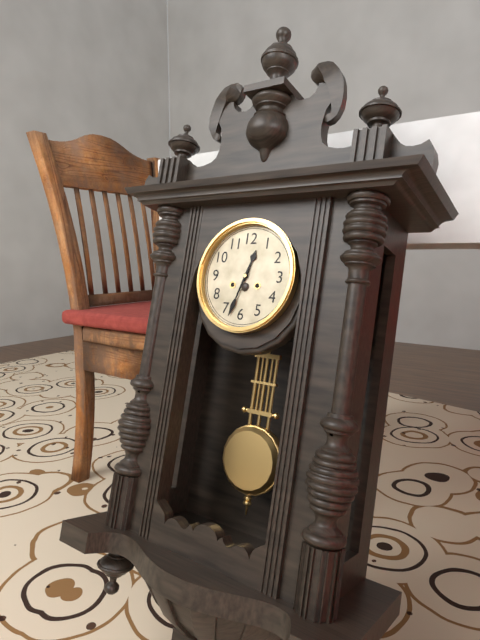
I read 12.33
